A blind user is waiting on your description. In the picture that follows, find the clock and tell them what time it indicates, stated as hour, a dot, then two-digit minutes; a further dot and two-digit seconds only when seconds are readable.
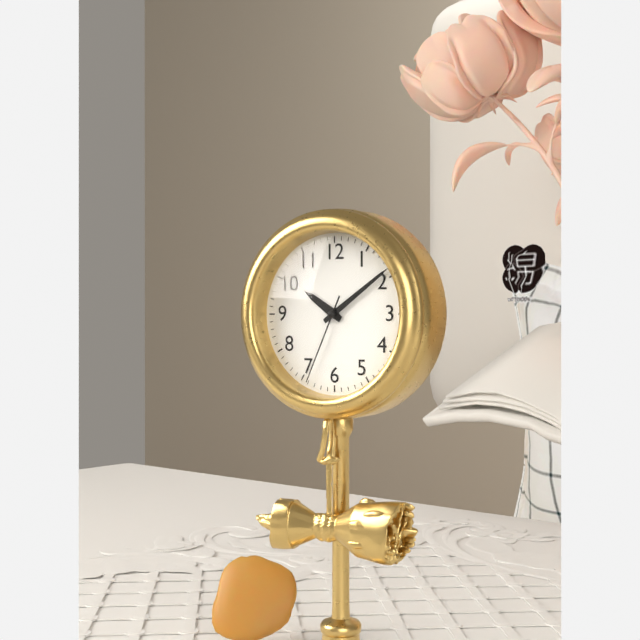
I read 10.09.34
